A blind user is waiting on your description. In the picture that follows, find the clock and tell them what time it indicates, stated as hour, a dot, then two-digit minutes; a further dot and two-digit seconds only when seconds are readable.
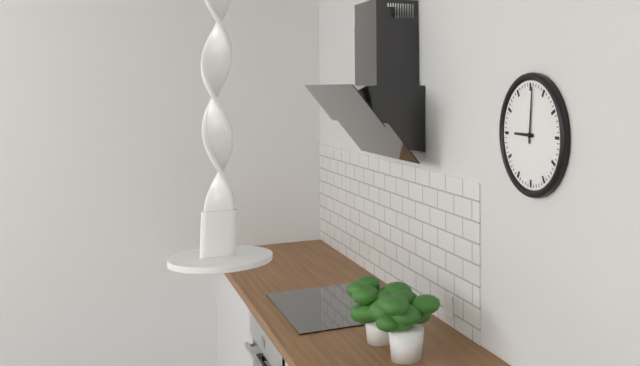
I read 9.01
